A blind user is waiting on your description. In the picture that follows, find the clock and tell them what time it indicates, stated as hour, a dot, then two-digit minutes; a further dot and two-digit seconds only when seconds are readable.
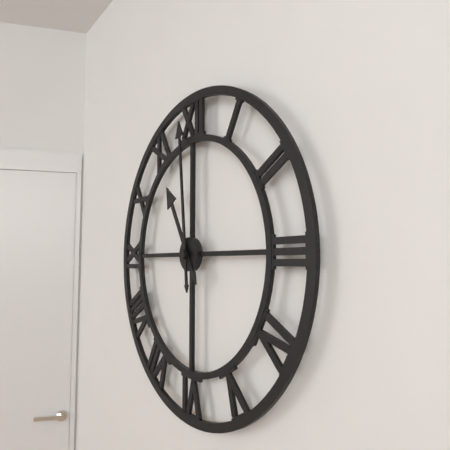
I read 10.59
